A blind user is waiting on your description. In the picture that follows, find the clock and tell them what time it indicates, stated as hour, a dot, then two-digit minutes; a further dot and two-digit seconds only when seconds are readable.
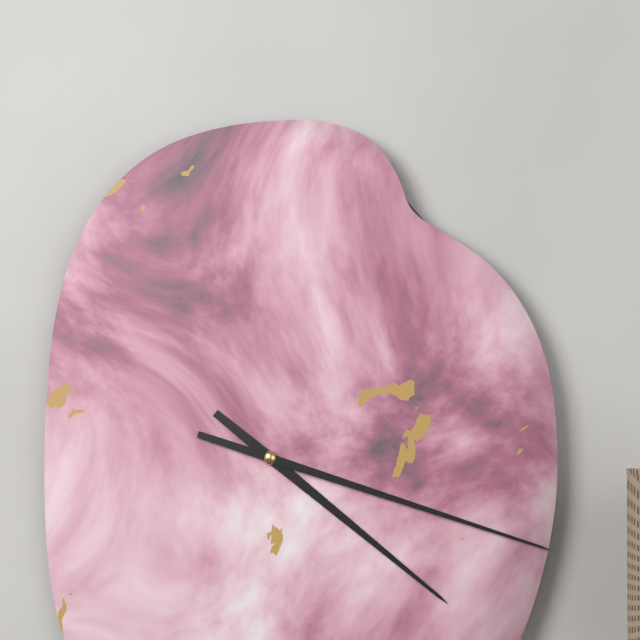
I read 4.18
